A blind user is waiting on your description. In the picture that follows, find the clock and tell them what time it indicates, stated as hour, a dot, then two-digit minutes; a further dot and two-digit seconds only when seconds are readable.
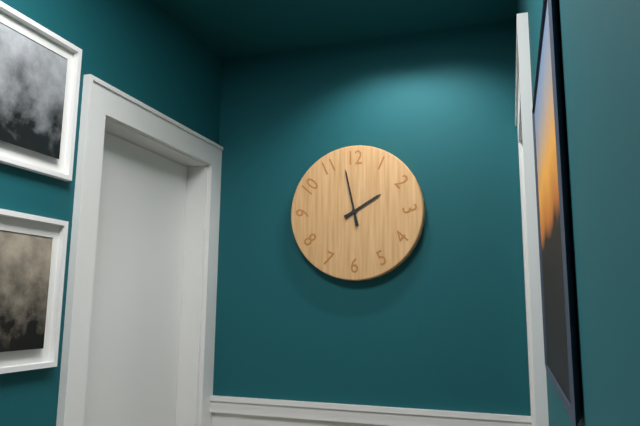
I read 1.58
